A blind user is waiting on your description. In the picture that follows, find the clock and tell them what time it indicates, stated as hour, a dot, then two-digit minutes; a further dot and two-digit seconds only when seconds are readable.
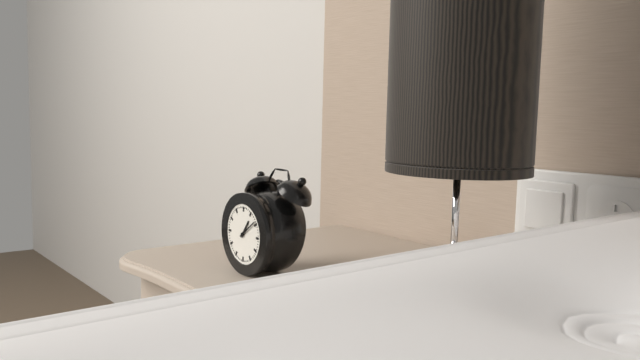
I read 1.09
